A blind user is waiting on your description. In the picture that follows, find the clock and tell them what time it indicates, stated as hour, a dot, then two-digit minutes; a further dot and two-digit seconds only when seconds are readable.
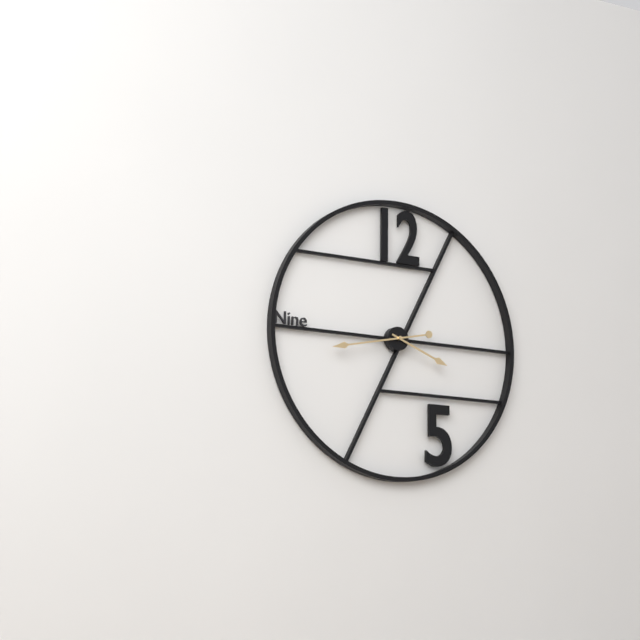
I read 3.43
